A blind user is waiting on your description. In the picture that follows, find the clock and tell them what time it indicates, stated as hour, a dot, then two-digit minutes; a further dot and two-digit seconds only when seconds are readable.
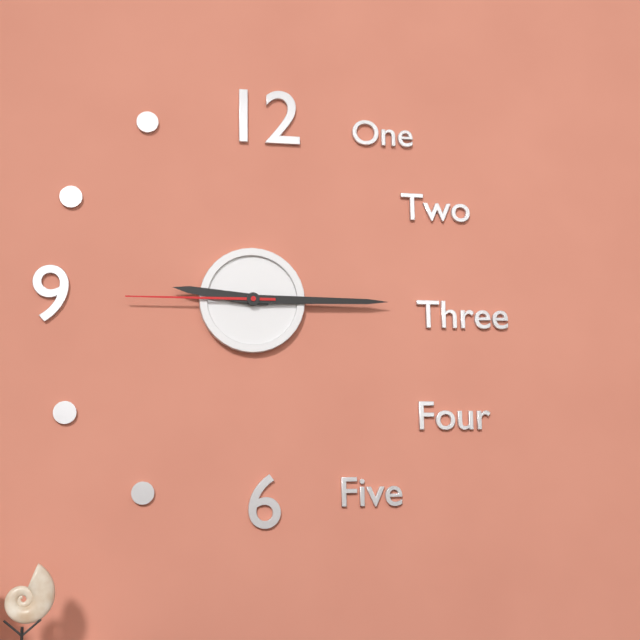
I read 9.15.45
